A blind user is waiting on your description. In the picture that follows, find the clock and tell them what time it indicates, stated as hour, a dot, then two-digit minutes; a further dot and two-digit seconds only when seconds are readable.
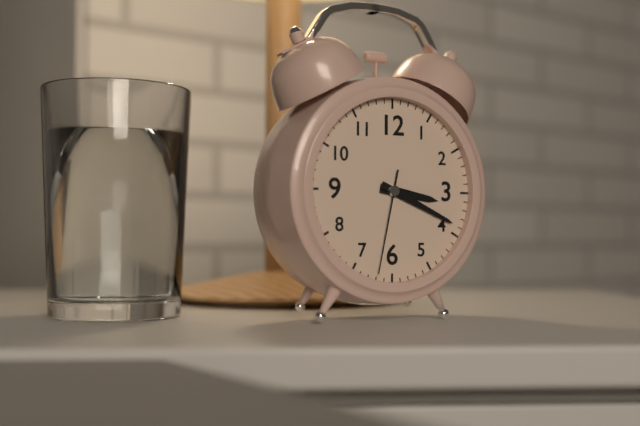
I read 3.19.32
